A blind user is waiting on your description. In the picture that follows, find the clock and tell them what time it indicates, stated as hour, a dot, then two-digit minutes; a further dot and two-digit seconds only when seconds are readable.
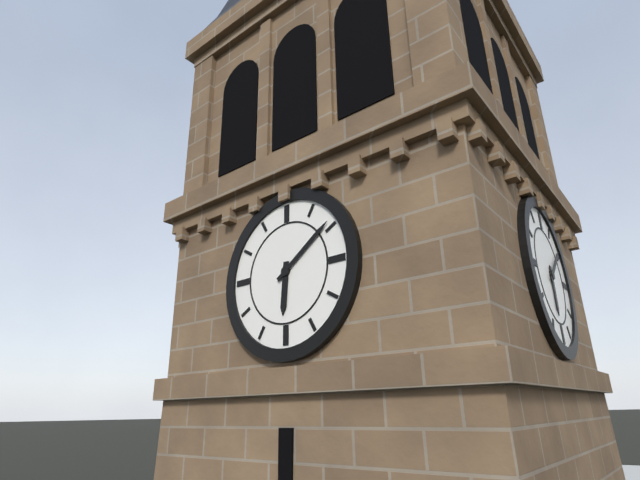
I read 6.09
